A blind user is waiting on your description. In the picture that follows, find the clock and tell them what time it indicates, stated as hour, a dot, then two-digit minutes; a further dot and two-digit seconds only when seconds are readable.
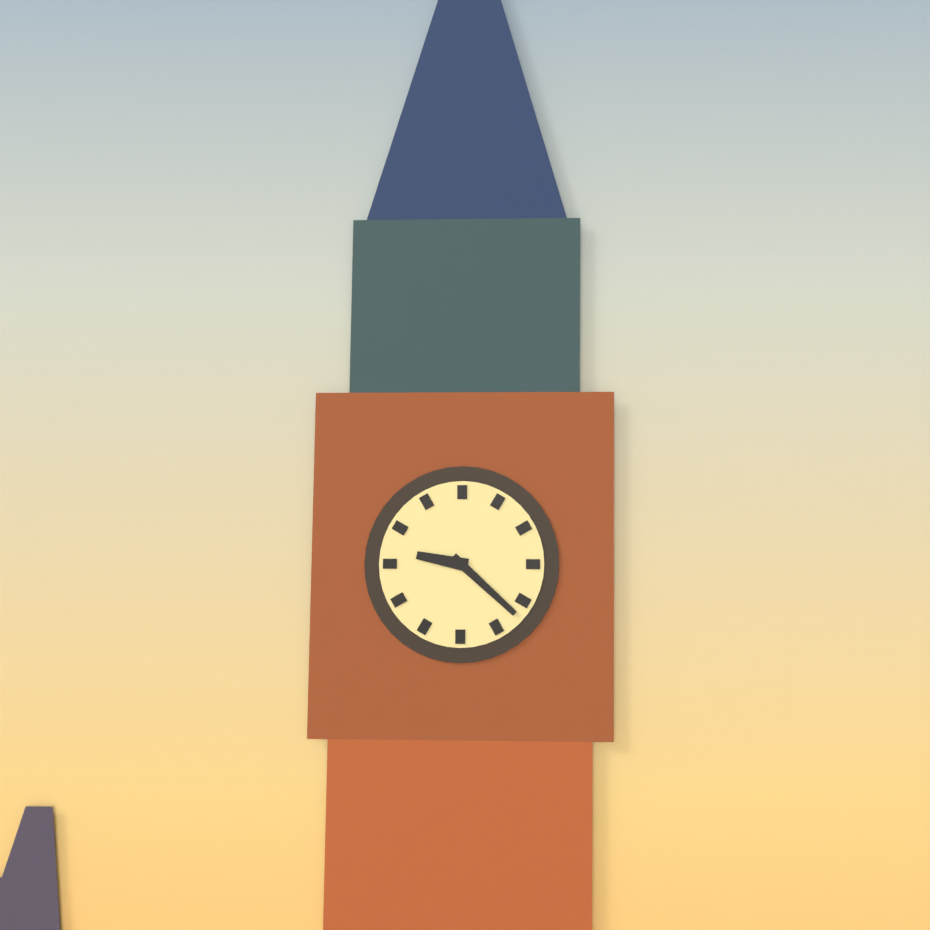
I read 9.22
